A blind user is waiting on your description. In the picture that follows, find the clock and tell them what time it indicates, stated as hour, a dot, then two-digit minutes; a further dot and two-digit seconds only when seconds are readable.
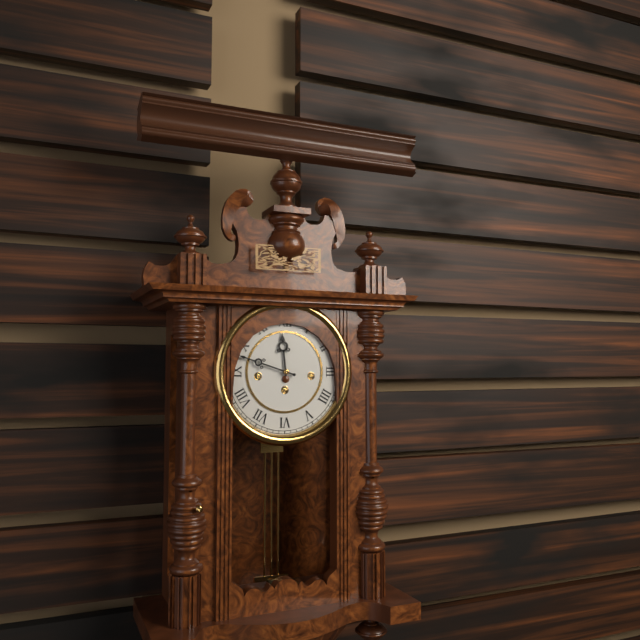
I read 11.48
